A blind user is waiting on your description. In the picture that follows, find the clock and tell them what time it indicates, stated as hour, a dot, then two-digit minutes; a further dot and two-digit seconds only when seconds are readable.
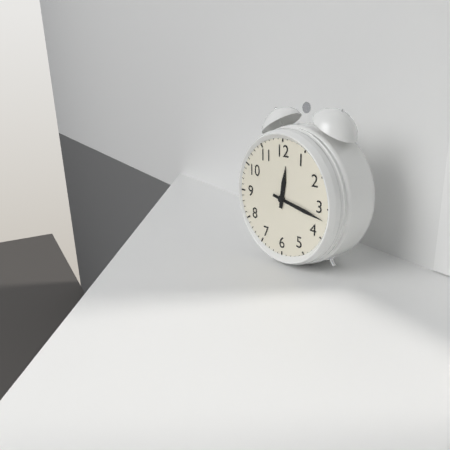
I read 12.17
